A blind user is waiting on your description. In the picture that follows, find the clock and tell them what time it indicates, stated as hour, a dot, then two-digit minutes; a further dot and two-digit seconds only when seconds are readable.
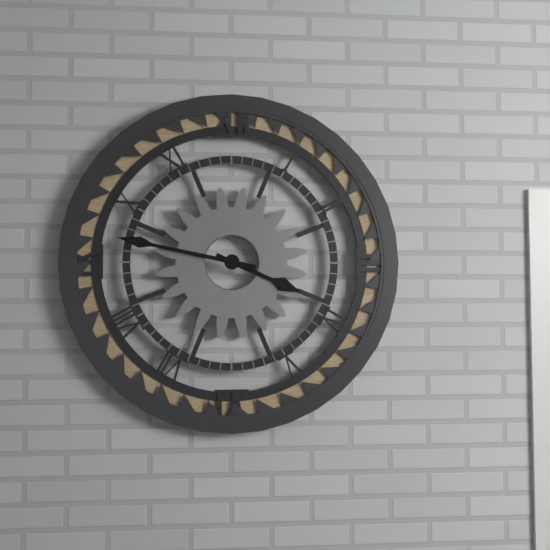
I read 3.47
